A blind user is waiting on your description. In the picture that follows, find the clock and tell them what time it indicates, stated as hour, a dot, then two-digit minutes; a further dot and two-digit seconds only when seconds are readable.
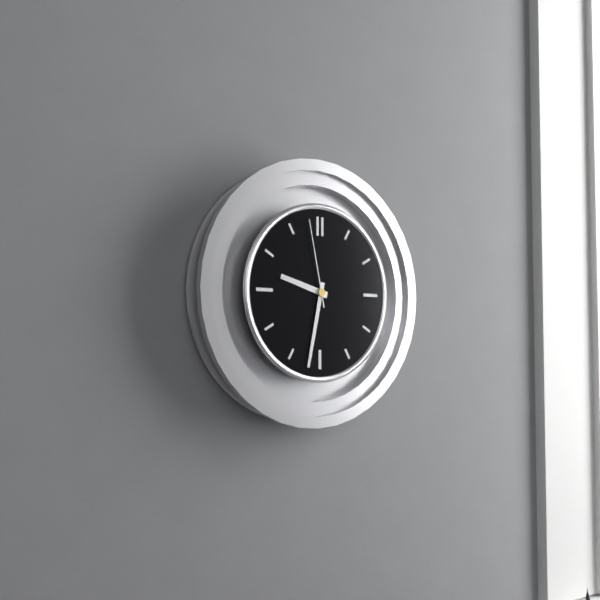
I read 9.32.58
